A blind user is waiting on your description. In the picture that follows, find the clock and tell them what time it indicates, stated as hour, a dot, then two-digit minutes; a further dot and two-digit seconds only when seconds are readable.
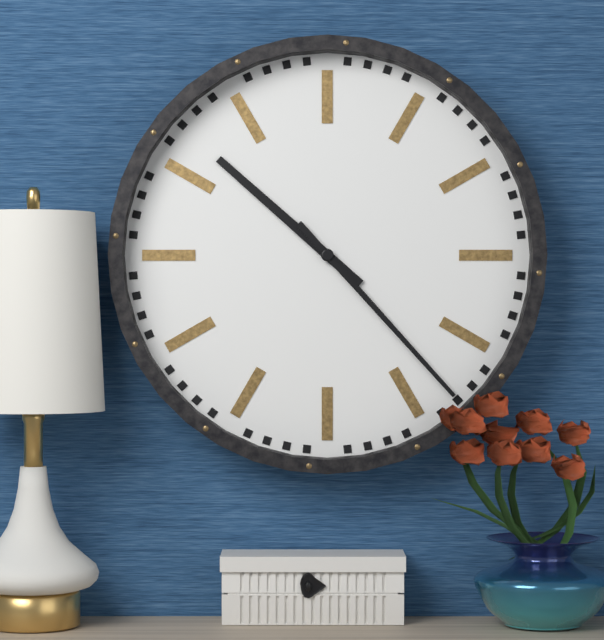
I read 10.23
